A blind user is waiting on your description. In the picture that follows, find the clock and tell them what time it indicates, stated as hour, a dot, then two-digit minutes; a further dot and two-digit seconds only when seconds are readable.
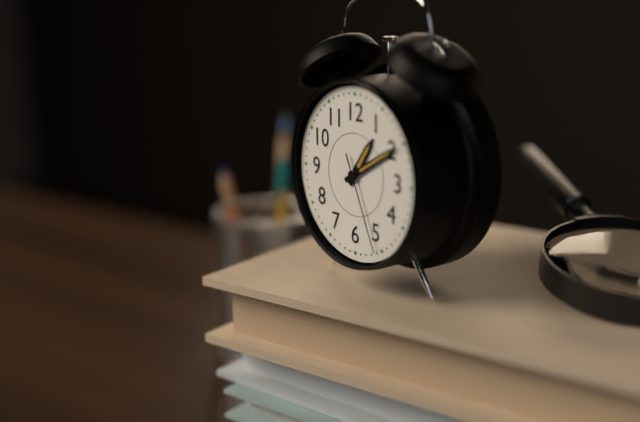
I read 1.10.26
